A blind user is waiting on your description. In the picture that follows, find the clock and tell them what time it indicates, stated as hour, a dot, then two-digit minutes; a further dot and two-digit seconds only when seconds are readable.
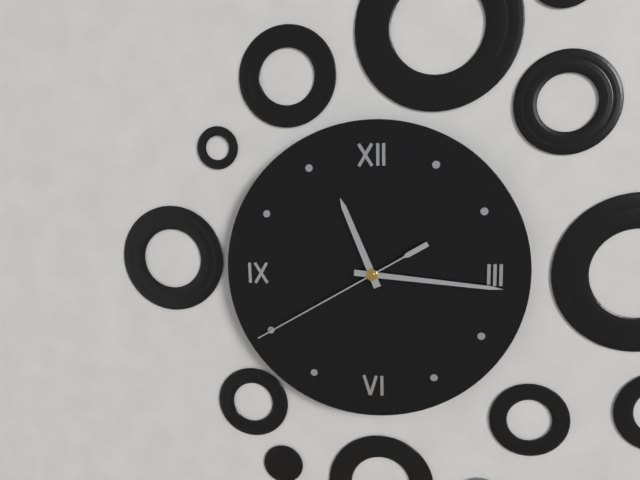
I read 11.16.40
